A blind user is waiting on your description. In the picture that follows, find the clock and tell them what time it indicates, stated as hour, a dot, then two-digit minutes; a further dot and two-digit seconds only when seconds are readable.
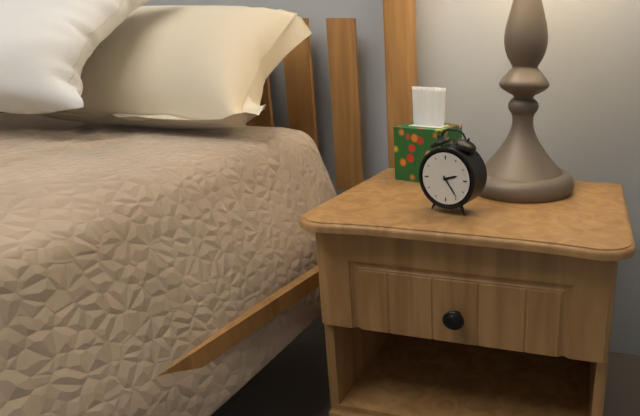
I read 2.24
